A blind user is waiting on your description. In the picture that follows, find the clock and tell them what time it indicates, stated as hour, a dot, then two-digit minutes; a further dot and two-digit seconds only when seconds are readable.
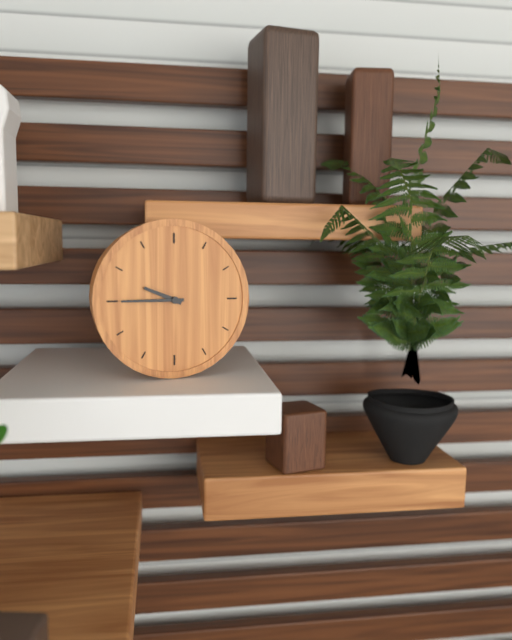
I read 9.45
